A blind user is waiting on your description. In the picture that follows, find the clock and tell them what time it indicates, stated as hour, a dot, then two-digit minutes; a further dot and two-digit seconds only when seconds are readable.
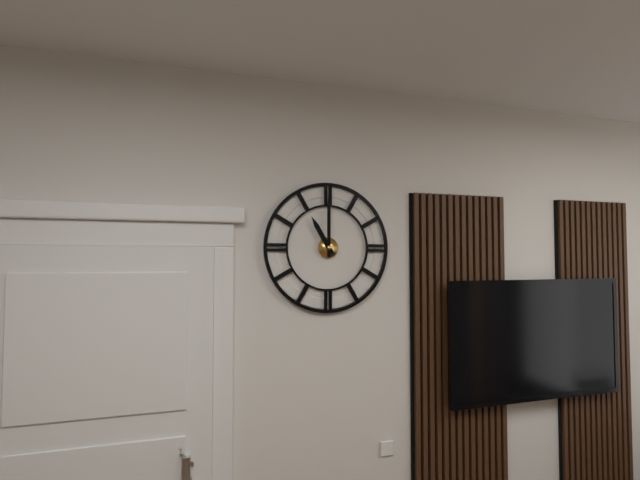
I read 11.00
